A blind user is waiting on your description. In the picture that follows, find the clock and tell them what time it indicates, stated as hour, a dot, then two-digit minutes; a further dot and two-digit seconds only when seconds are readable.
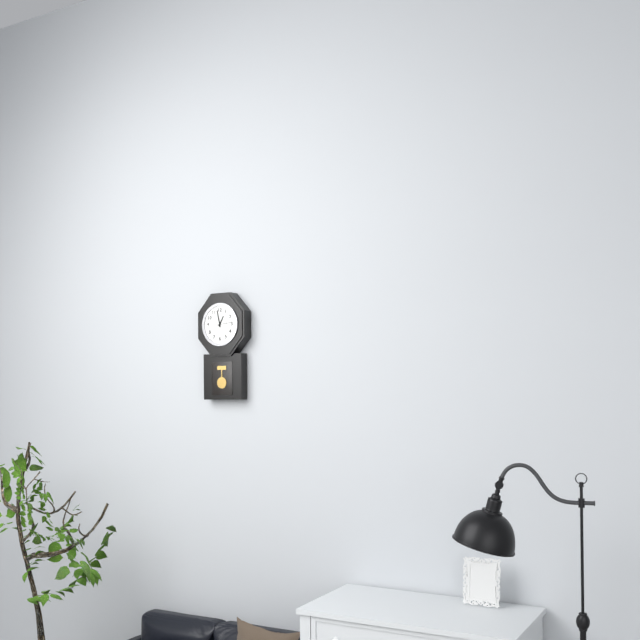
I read 12.58
